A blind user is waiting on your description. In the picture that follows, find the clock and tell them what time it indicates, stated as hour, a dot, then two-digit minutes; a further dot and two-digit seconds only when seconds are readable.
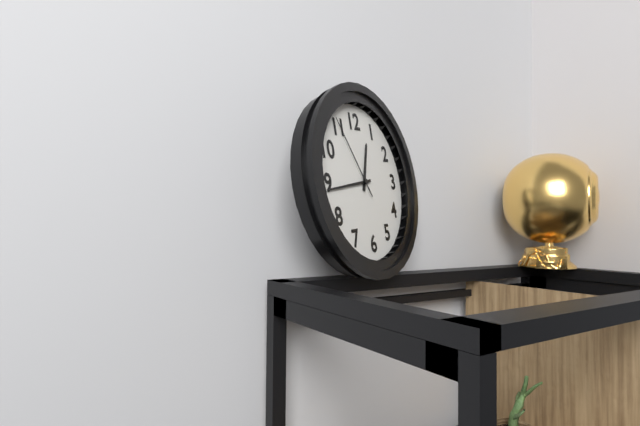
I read 12.44.55
